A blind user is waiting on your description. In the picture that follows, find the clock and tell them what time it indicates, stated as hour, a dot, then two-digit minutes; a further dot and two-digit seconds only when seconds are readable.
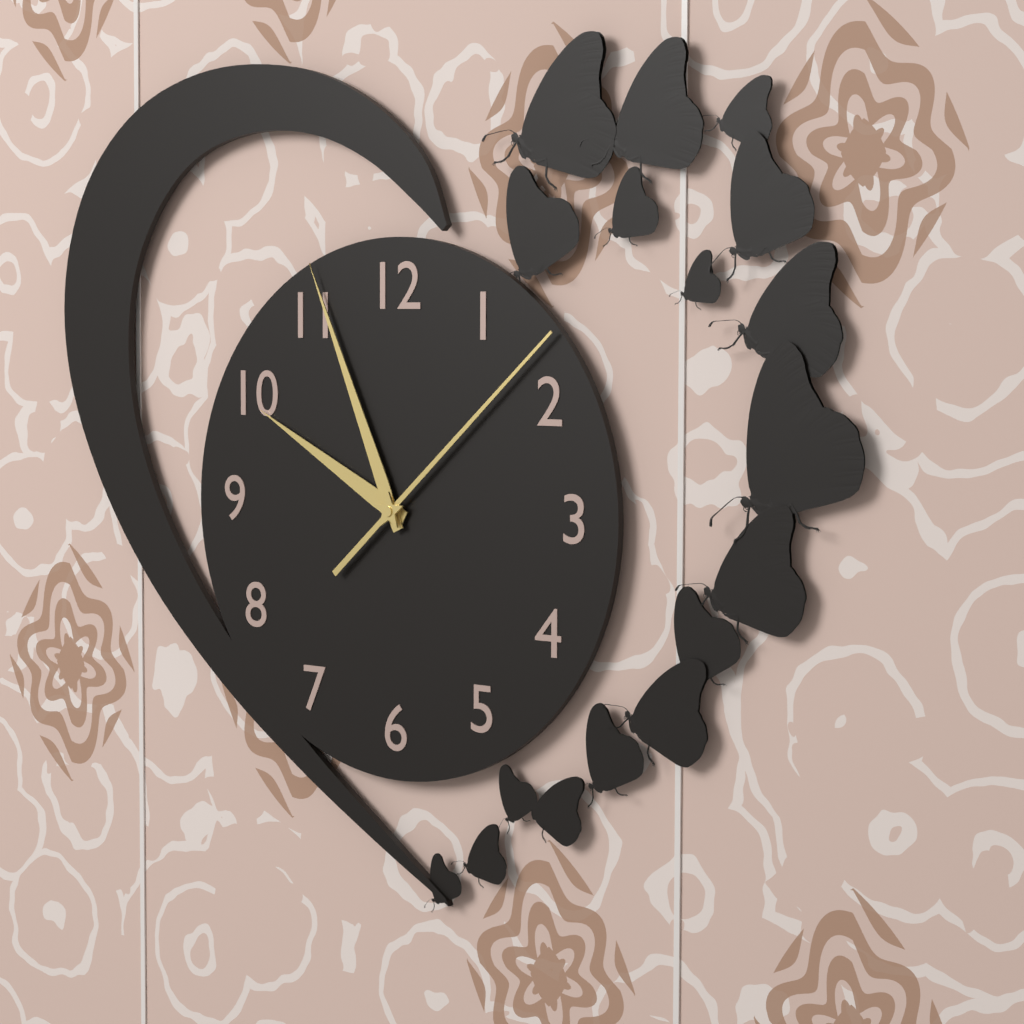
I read 9.56.08
